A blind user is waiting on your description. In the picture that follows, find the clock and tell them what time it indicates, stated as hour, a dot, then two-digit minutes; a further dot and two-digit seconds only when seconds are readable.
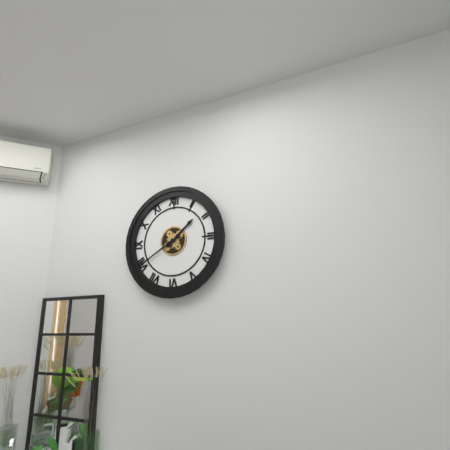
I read 1.40
